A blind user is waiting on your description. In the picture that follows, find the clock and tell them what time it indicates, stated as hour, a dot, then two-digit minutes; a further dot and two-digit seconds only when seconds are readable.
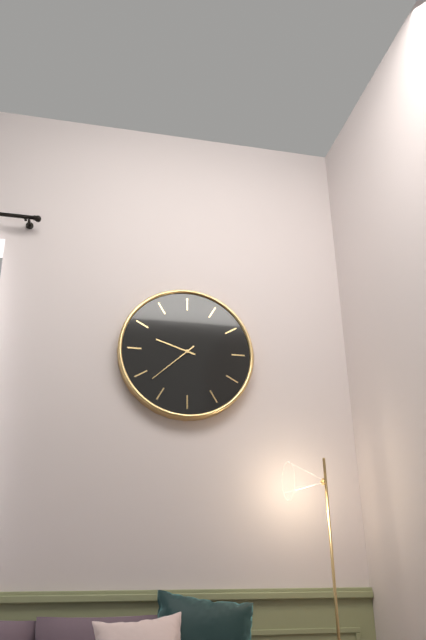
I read 9.38
